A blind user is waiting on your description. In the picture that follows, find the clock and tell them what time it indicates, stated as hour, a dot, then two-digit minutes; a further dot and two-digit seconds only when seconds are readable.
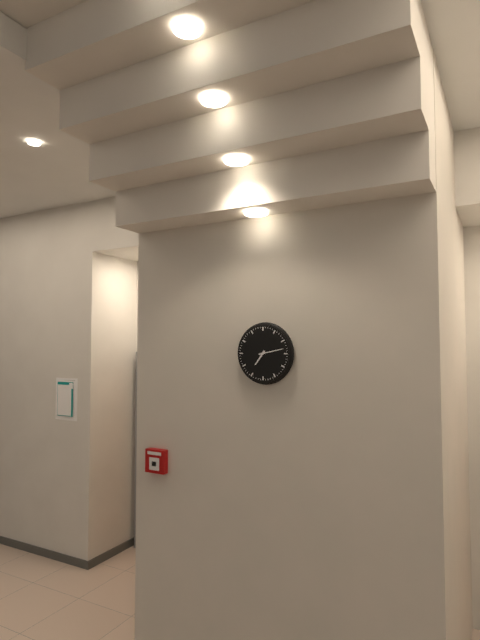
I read 7.13
